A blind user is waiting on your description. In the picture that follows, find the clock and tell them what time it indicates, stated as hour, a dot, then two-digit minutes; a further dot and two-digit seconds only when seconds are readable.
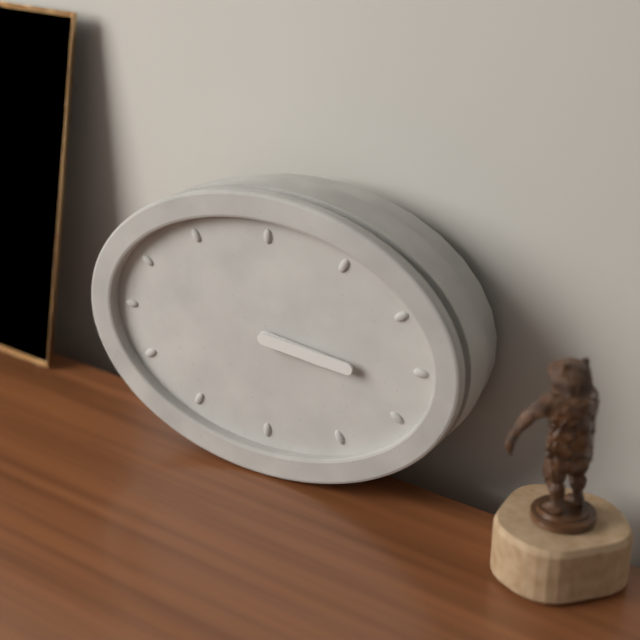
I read 3.16
